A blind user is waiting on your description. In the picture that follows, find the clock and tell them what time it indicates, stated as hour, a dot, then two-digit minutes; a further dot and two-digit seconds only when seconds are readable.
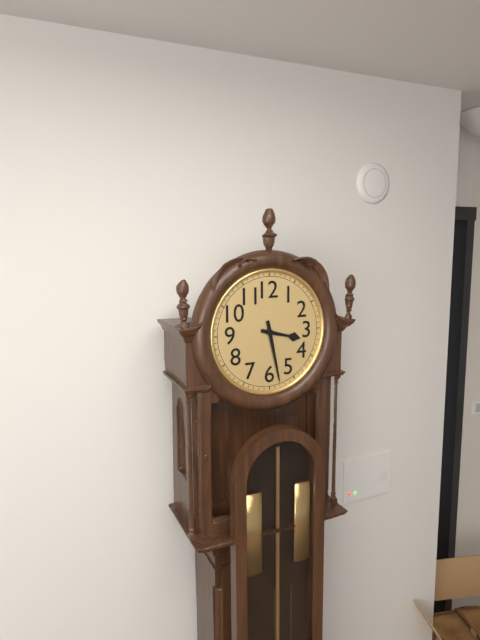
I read 3.28
